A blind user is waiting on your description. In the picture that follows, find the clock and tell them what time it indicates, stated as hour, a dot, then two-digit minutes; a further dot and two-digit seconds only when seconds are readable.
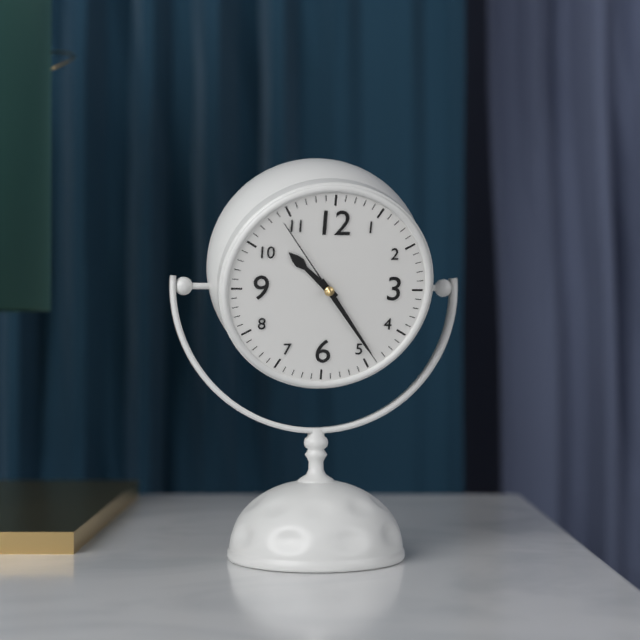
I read 10.24.54
